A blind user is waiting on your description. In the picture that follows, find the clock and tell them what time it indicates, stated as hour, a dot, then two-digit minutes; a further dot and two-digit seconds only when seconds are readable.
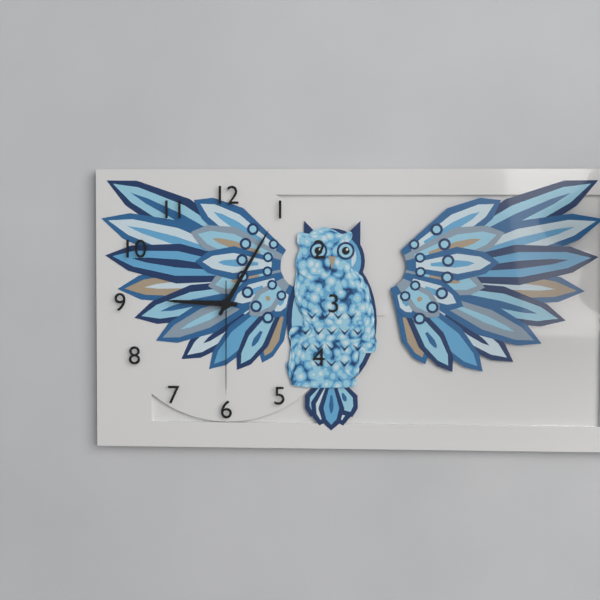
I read 9.05.30
